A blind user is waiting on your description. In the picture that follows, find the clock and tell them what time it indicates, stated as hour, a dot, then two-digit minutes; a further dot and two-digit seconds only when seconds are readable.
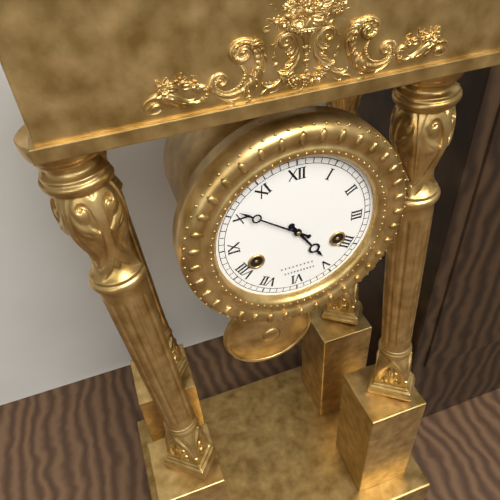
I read 4.51
